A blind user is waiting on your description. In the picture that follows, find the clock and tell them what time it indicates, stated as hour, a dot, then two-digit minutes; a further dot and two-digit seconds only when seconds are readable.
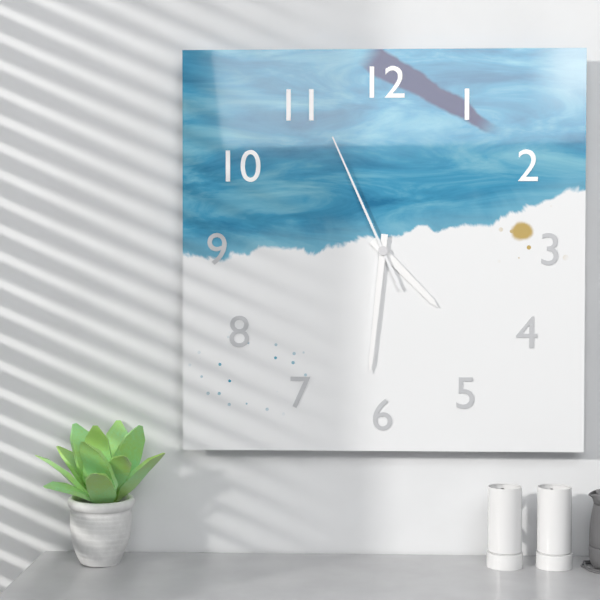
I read 4.31.56
